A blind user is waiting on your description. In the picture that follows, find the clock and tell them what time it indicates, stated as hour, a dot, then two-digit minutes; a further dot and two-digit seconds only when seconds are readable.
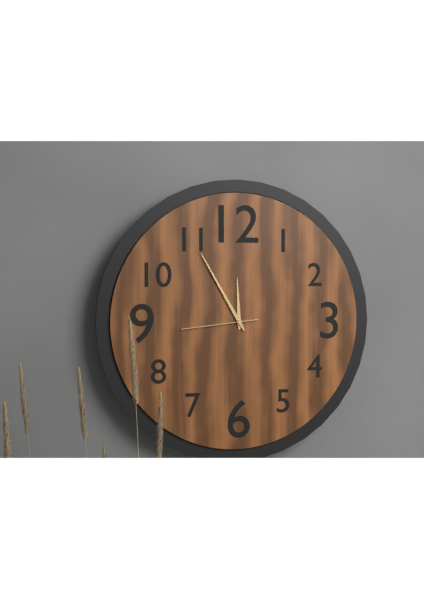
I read 11.55.44
